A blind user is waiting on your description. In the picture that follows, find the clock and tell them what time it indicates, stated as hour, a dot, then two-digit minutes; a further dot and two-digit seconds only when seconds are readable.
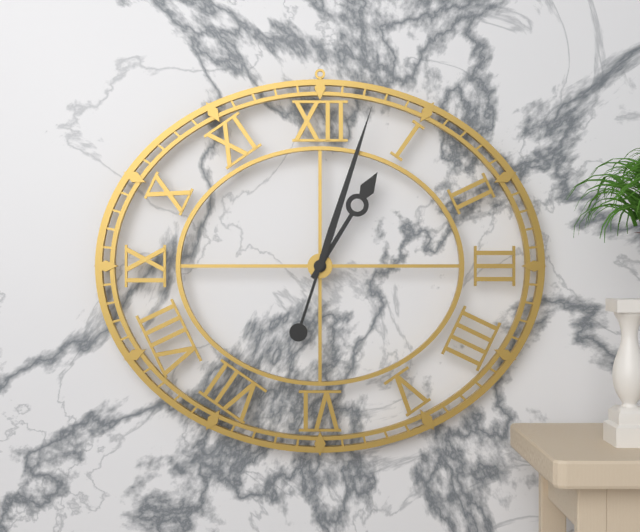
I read 1.03
